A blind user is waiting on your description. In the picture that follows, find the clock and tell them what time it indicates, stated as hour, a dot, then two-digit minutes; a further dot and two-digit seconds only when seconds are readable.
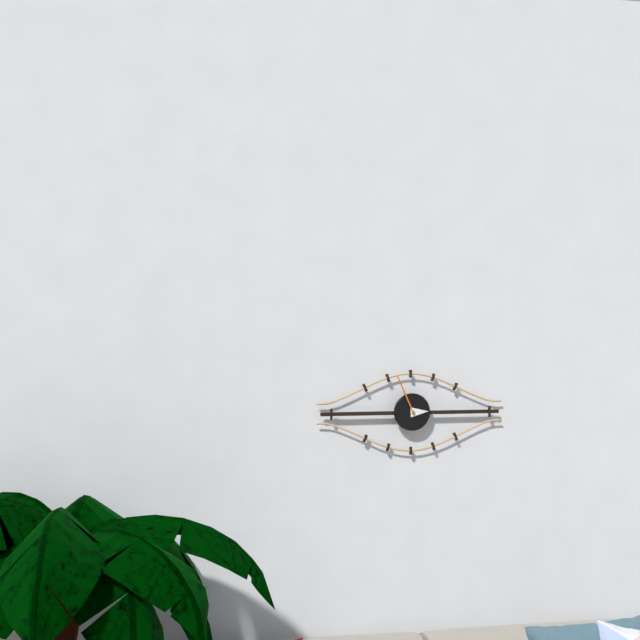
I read 2.56
